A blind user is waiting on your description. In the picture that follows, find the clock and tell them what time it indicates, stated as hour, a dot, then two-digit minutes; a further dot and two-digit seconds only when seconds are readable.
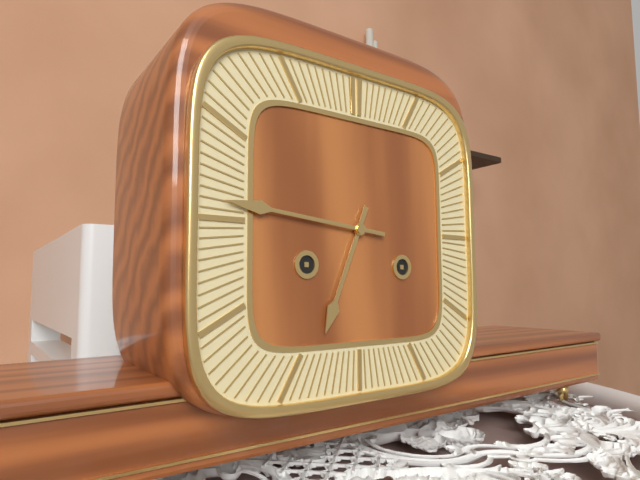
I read 6.46
